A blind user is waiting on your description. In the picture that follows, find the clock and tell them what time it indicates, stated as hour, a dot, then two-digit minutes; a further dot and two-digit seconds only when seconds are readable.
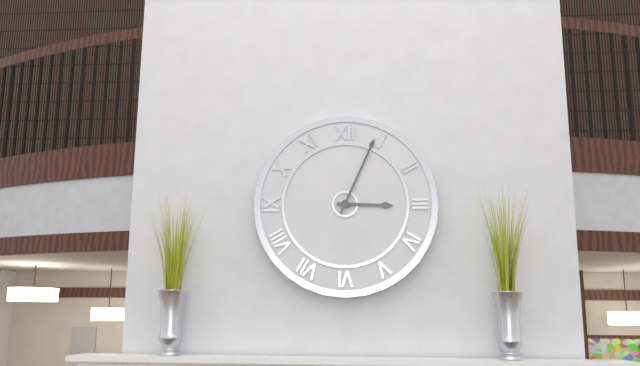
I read 3.04
